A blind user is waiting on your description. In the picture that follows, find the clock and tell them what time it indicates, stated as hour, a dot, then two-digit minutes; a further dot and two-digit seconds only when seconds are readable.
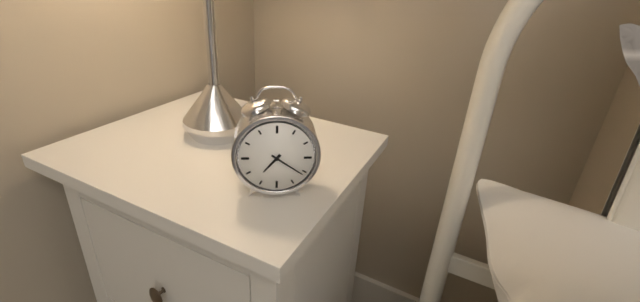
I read 7.21
